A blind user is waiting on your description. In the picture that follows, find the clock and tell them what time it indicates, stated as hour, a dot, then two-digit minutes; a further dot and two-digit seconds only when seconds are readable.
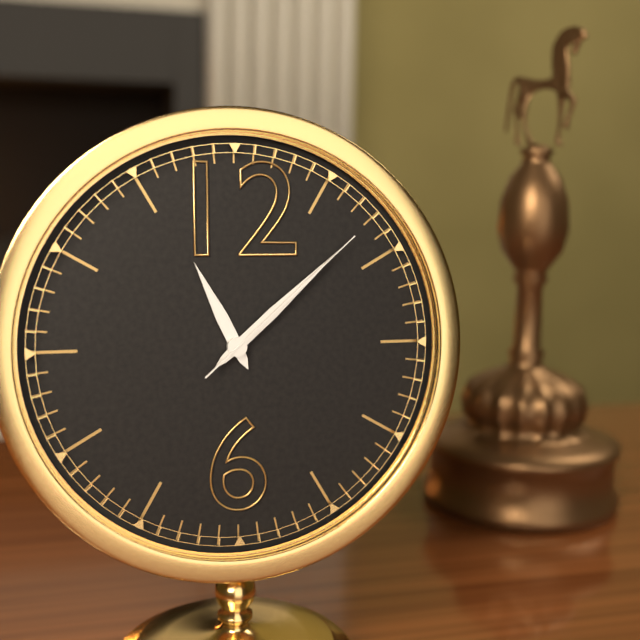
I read 11.08.08
